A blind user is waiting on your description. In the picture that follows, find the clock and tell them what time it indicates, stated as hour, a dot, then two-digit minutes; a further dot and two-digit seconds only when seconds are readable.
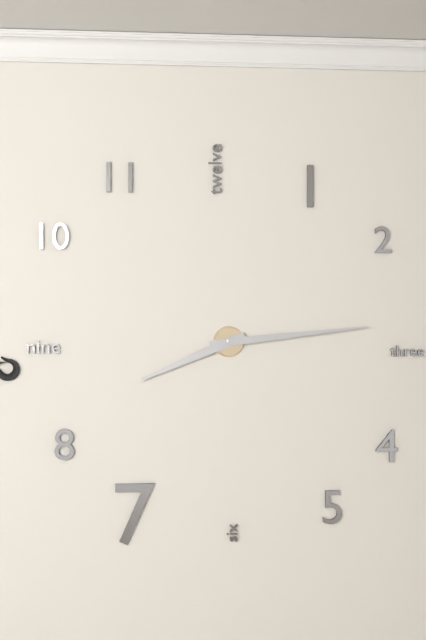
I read 8.14
